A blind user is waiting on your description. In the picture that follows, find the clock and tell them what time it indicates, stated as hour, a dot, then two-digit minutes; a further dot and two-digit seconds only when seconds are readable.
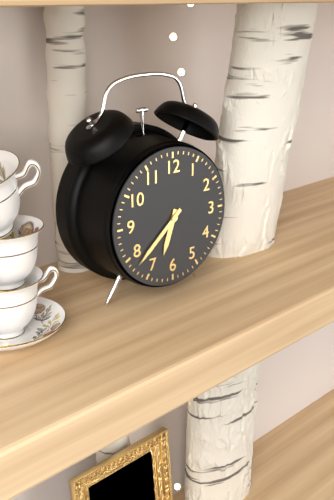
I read 6.38
